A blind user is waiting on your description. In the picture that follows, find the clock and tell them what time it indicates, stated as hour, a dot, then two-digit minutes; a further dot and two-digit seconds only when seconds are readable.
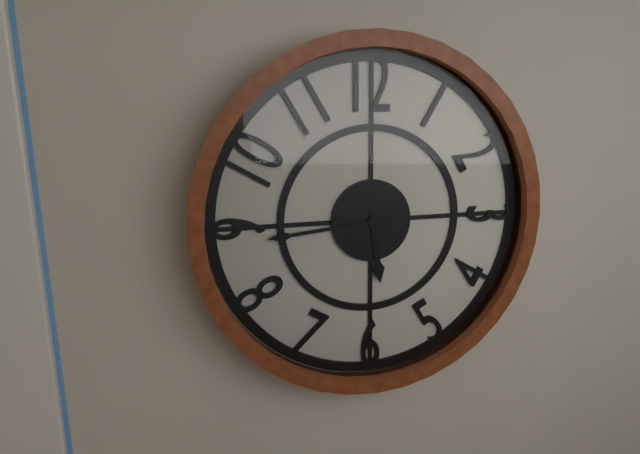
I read 5.44
